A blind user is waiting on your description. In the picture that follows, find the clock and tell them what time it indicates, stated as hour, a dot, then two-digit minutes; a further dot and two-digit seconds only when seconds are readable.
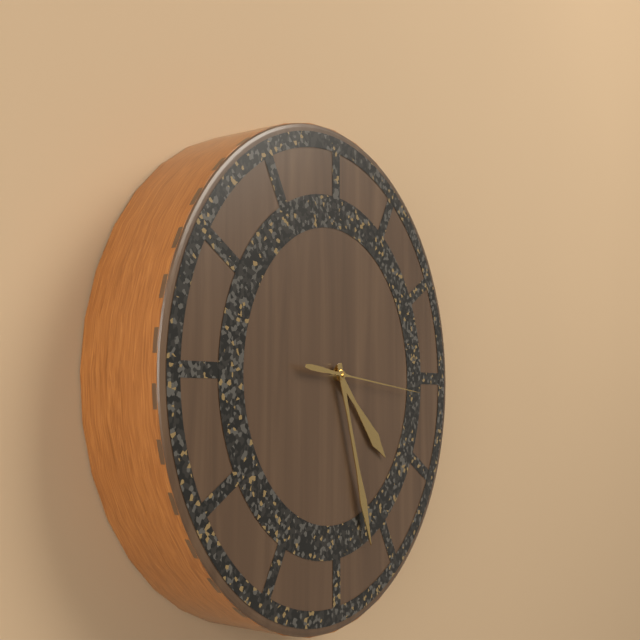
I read 4.27.16
